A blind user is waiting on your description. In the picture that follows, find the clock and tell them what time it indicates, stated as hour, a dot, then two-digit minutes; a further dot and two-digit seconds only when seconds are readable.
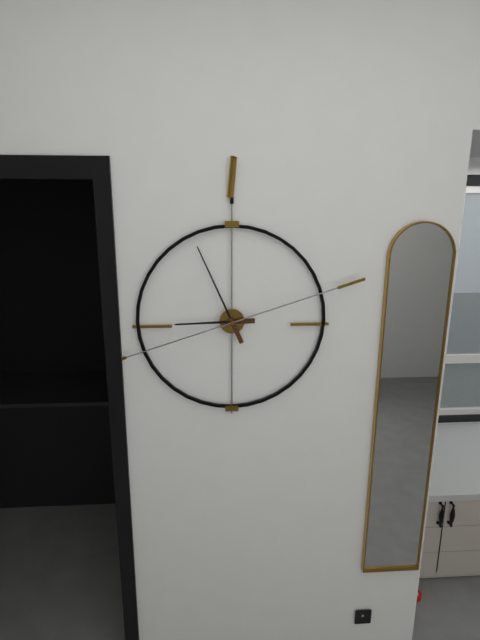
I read 8.56.12
